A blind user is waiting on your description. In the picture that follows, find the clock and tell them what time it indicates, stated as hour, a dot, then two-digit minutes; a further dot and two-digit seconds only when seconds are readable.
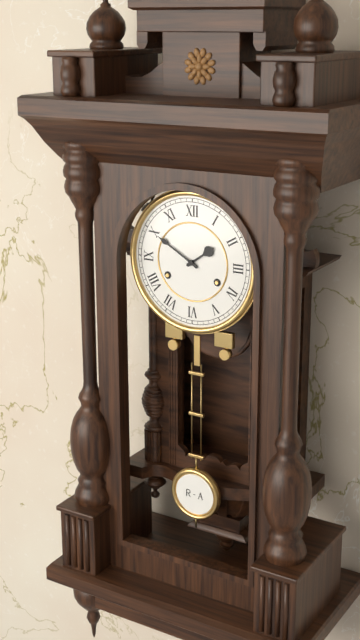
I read 1.50
